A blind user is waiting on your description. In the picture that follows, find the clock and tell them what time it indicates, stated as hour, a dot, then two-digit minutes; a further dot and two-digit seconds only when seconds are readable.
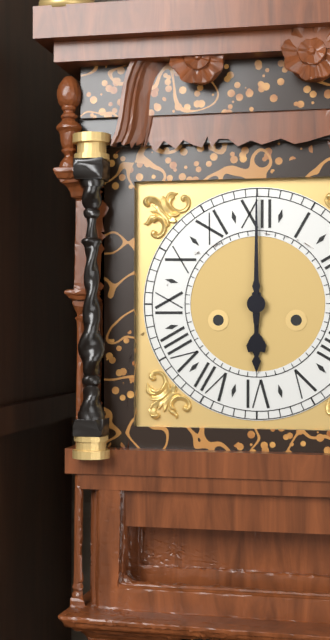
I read 6.00
